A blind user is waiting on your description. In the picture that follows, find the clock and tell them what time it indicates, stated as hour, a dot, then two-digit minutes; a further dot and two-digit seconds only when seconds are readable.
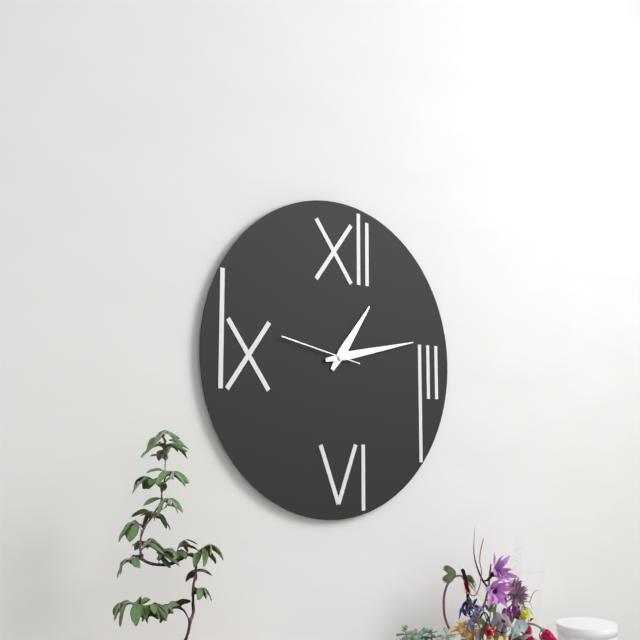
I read 1.13.47
